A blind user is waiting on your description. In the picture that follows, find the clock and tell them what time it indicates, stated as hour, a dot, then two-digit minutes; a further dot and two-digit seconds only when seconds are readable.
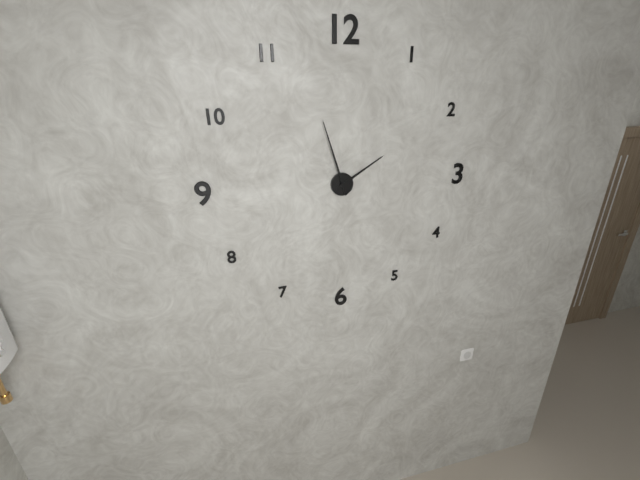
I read 1.57
